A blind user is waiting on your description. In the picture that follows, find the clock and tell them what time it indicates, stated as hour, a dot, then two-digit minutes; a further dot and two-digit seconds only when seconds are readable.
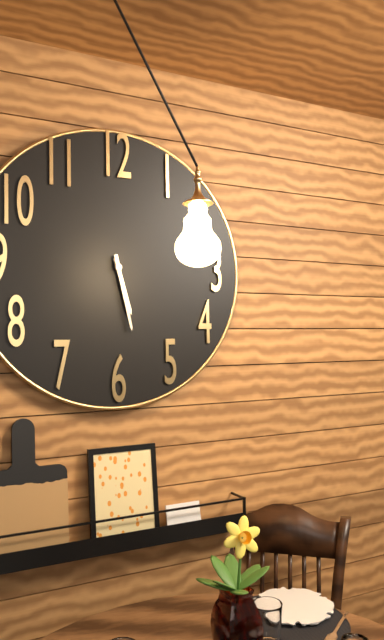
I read 5.28
